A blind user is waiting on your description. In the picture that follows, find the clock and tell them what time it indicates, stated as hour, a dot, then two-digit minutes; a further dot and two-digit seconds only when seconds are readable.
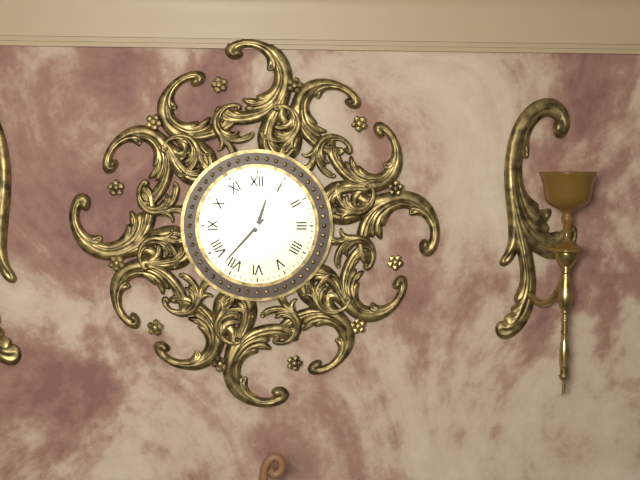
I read 12.37
